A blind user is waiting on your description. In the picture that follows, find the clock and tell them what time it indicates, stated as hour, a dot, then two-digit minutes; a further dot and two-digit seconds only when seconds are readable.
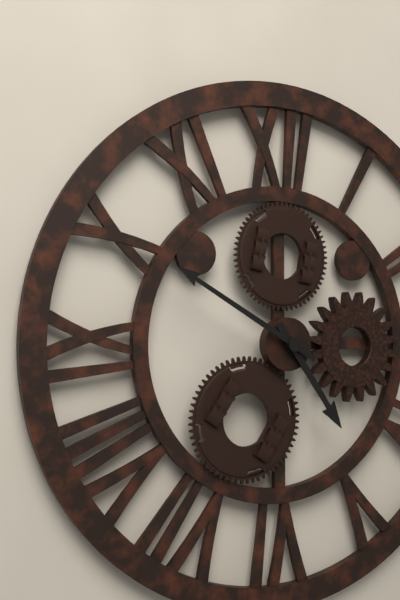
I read 4.50
